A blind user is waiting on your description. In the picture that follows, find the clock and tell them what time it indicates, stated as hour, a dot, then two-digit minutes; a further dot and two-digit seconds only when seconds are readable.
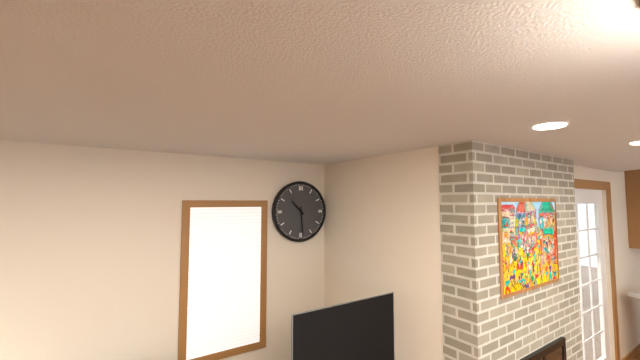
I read 10.29
